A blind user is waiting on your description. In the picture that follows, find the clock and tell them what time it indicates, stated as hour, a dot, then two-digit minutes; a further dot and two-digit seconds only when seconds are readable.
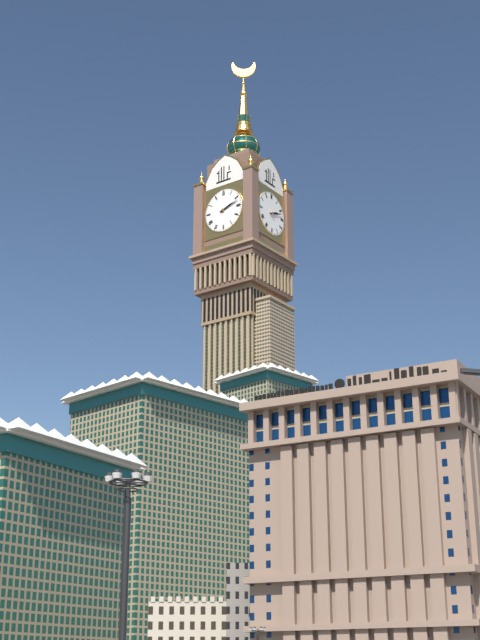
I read 2.12
